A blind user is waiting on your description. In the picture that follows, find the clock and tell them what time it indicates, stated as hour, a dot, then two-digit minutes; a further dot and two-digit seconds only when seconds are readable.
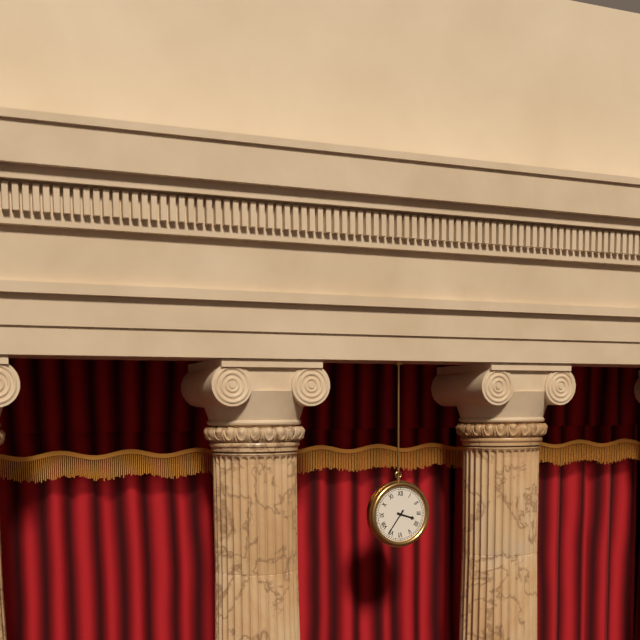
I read 3.36
